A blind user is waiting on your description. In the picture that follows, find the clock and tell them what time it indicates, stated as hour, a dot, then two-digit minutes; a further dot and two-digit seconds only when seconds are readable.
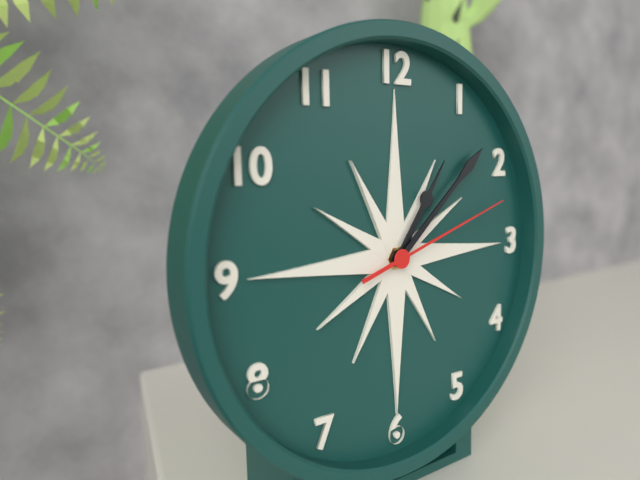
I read 1.08.12
